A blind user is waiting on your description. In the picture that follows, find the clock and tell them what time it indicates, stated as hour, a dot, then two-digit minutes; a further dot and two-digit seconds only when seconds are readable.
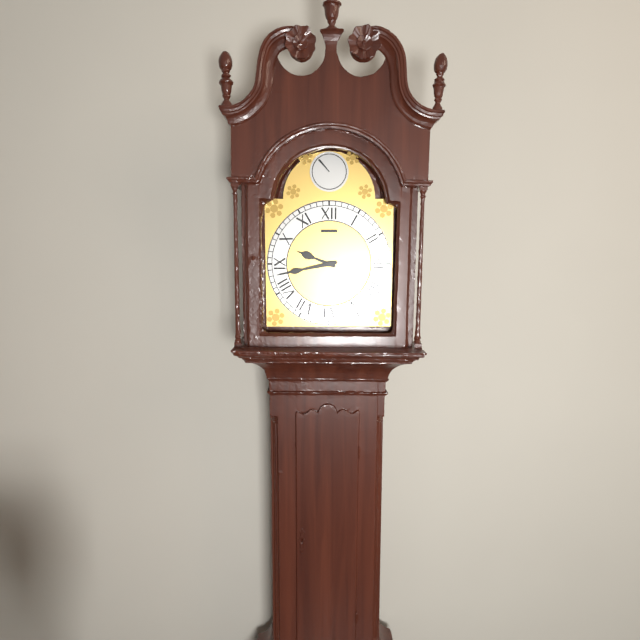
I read 9.43
